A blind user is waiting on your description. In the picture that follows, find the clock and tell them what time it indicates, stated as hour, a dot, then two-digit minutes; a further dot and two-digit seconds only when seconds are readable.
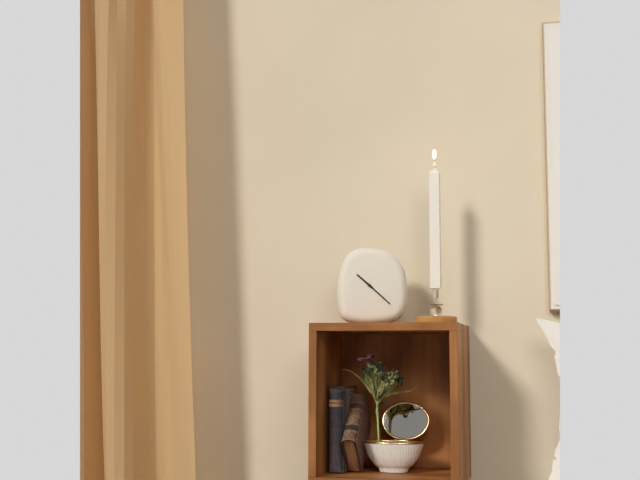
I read 10.22
